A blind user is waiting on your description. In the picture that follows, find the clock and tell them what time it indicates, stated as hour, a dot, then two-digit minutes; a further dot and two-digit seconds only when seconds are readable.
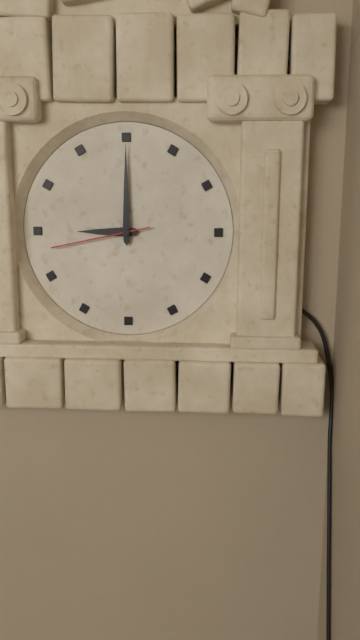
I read 9.00.43
